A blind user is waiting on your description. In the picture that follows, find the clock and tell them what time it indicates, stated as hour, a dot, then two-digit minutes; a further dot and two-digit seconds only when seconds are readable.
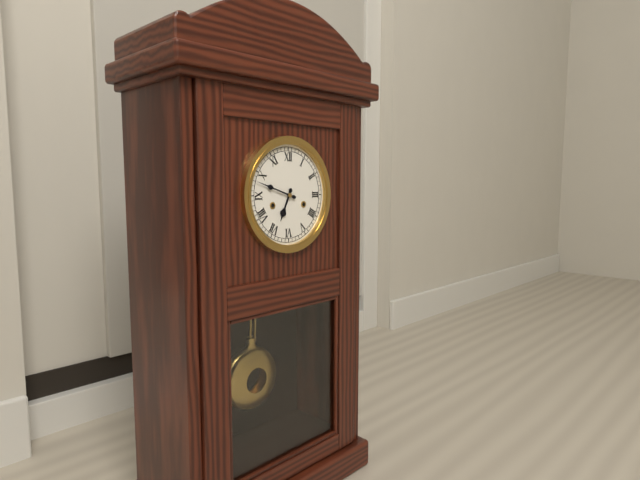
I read 6.48
